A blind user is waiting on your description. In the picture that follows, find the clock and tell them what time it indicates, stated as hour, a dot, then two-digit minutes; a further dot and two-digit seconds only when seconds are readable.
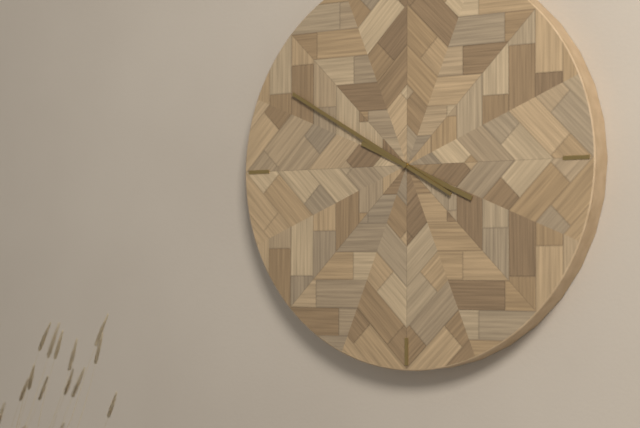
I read 3.50
